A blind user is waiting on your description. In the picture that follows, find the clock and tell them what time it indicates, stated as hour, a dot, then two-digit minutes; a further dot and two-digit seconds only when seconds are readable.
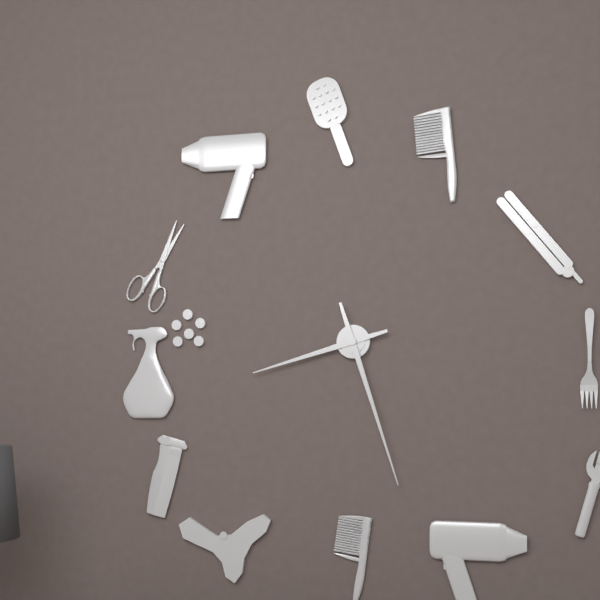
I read 8.27
